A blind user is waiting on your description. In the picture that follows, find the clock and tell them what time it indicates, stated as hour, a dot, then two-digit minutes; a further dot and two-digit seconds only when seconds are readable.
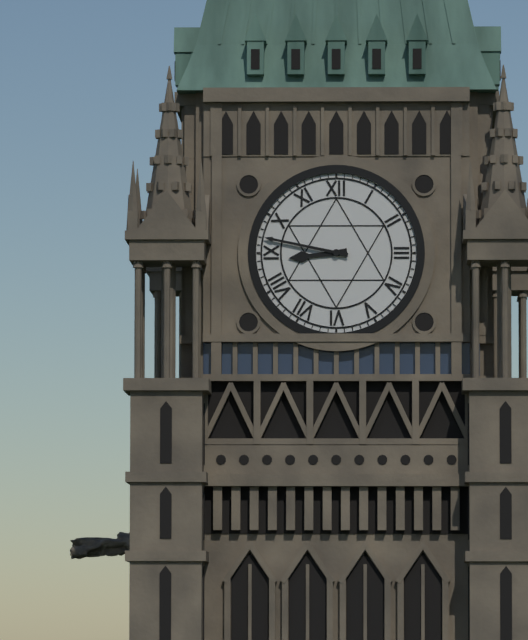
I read 8.47
